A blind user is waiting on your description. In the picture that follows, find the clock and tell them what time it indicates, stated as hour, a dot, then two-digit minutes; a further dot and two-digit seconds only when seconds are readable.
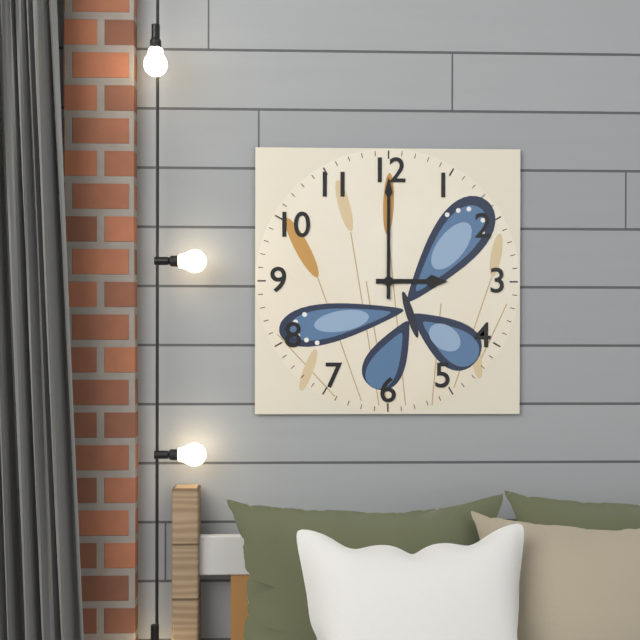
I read 3.00
